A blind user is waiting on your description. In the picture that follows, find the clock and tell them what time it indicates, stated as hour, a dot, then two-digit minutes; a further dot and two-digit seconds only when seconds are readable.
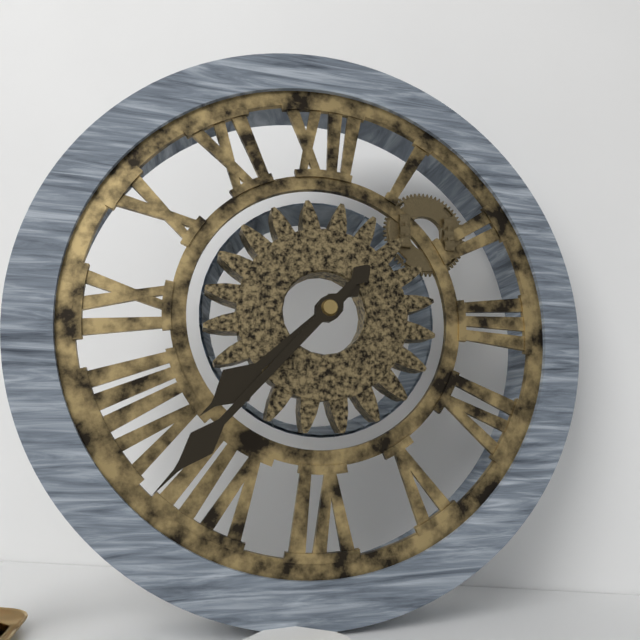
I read 7.37
